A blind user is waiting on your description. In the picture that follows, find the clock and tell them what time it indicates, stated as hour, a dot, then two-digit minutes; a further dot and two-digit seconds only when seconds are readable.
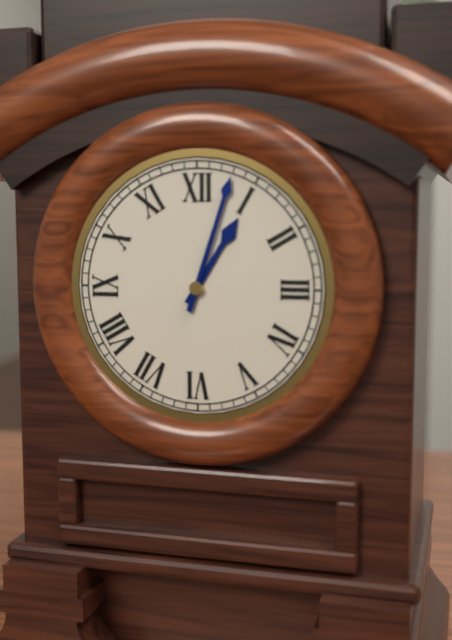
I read 1.03
